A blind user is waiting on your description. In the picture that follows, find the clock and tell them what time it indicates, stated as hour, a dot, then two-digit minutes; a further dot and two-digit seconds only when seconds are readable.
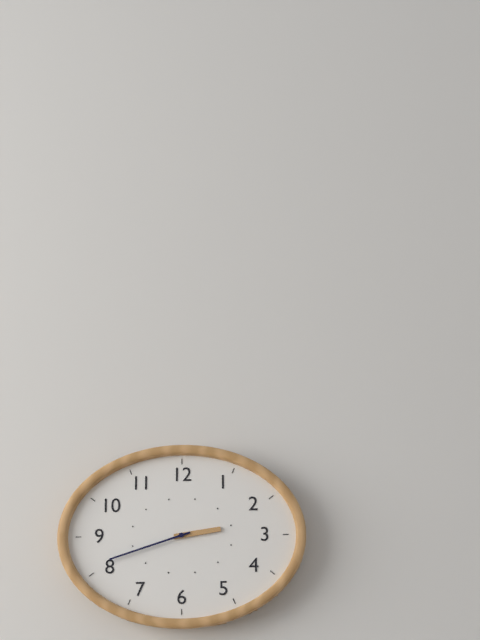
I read 2.42
